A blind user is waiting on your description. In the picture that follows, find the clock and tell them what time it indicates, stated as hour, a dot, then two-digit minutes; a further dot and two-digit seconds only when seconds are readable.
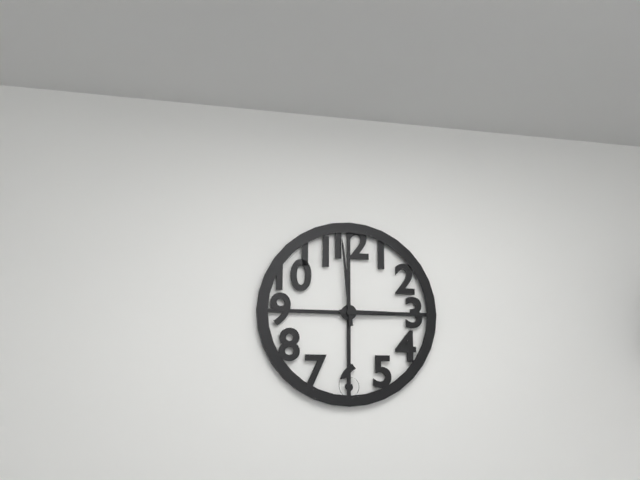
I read 2.59
